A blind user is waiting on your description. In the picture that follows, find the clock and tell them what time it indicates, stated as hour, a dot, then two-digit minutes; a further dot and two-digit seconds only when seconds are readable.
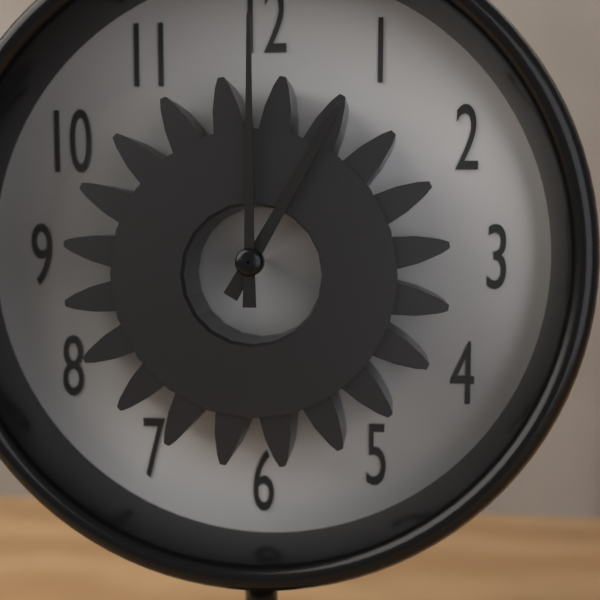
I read 1.00
